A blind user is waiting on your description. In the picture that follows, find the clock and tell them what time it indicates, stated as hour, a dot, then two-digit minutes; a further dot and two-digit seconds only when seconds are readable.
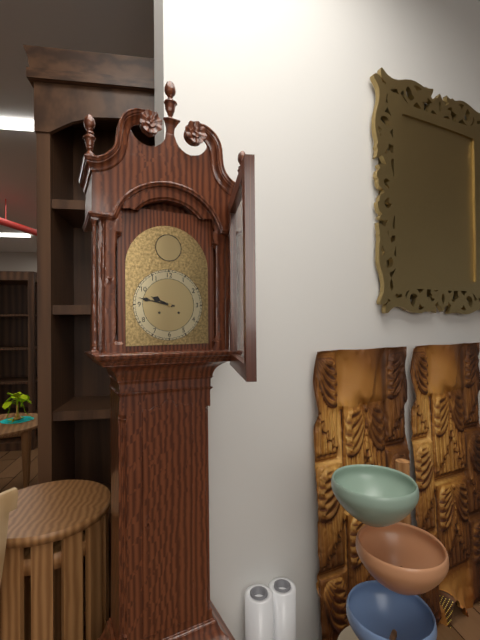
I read 9.47
